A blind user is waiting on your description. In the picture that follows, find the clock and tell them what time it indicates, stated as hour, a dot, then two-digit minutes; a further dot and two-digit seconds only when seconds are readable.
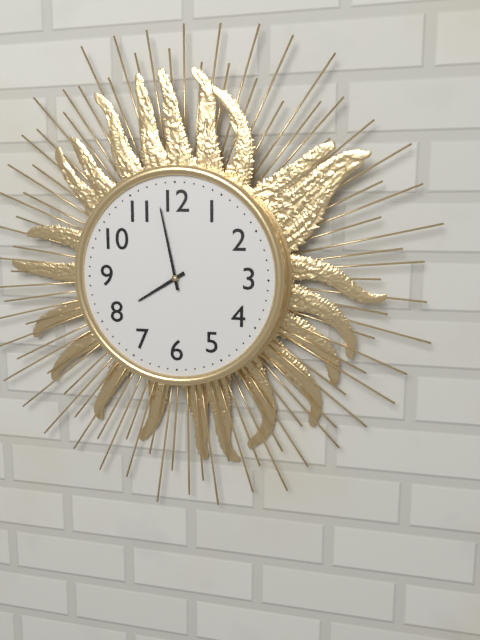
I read 7.58
